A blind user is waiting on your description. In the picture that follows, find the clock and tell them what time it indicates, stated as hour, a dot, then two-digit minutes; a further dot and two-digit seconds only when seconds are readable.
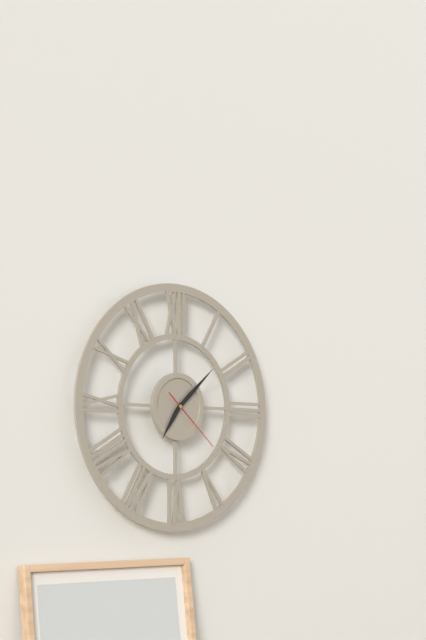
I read 7.08.22
